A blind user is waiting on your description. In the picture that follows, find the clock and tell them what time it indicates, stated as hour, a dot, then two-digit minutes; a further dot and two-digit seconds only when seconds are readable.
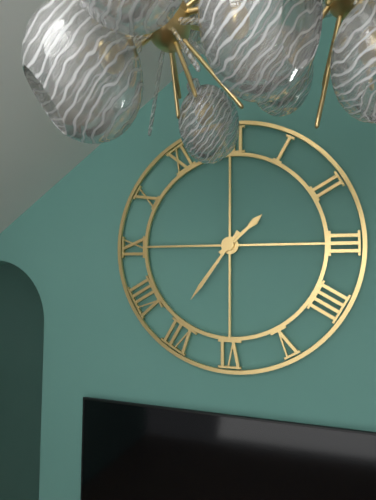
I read 1.36
